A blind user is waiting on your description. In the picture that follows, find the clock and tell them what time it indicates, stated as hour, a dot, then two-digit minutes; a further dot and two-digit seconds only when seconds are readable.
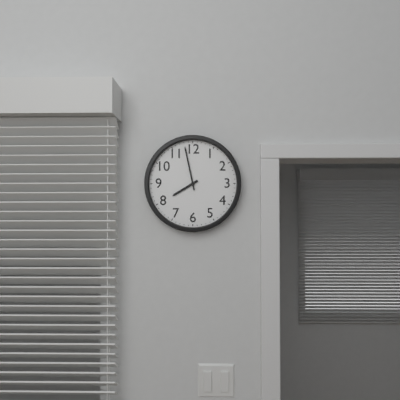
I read 7.58
